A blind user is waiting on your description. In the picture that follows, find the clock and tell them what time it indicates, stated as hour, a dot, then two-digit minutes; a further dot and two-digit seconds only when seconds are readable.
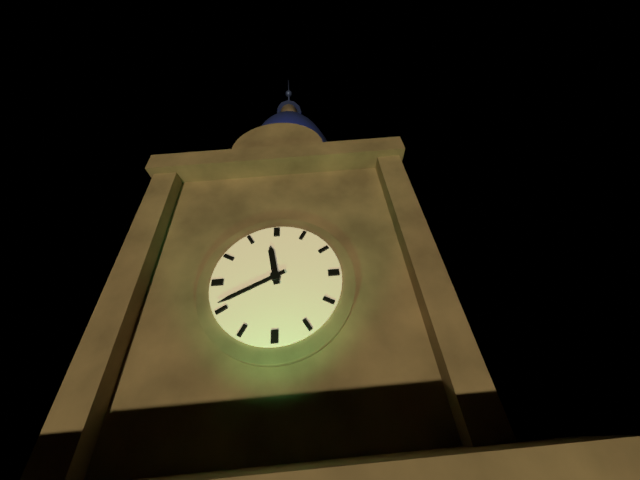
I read 11.41
